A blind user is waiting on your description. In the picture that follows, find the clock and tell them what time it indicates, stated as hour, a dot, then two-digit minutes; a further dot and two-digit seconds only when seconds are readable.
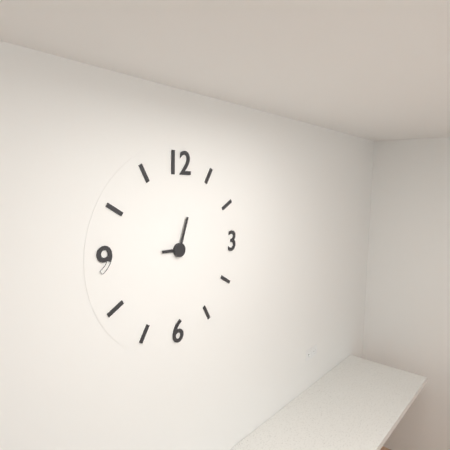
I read 9.03
